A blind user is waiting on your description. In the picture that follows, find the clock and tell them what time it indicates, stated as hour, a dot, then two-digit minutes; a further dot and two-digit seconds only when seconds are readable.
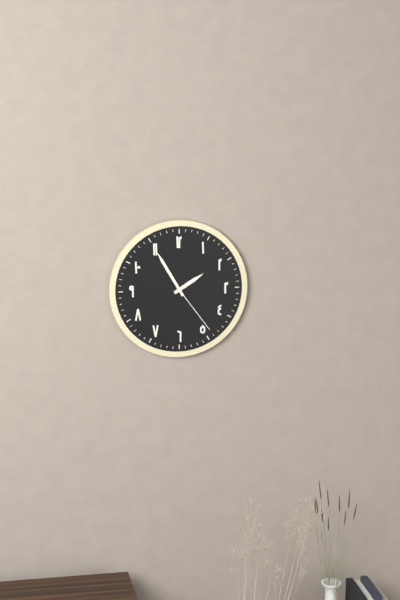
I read 1.55.24
